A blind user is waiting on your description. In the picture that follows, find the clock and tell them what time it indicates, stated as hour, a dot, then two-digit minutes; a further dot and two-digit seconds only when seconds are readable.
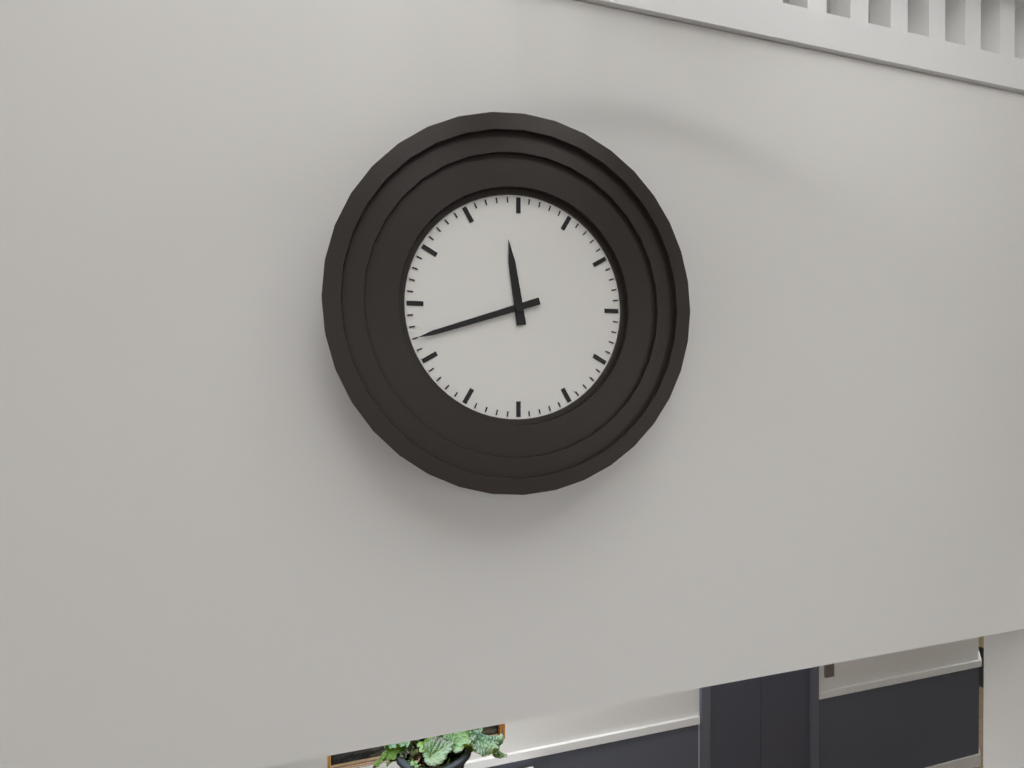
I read 11.42
